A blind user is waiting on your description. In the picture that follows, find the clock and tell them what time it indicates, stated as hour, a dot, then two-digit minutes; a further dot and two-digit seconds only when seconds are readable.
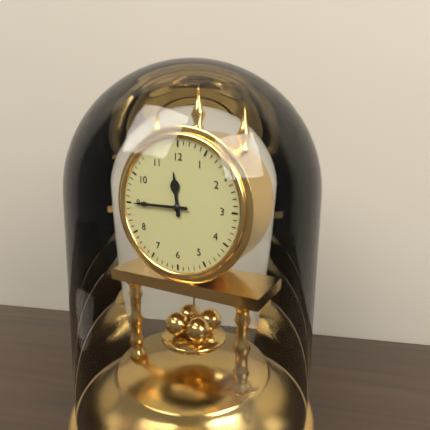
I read 11.45
